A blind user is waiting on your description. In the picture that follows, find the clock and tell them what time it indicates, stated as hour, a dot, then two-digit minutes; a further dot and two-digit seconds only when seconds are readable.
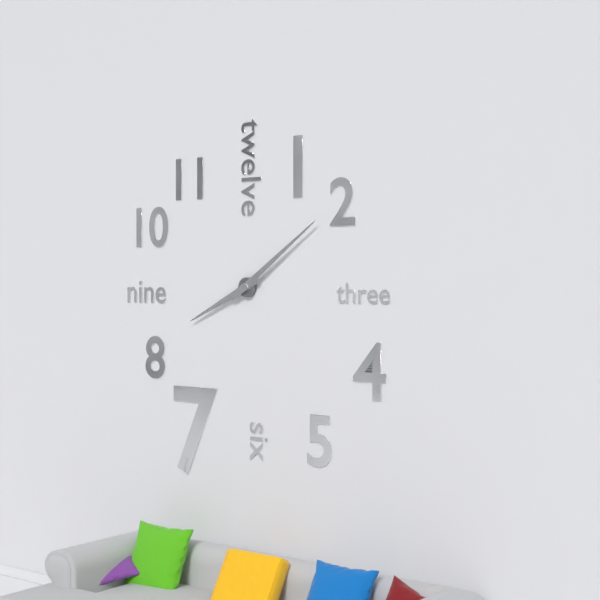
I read 8.09
